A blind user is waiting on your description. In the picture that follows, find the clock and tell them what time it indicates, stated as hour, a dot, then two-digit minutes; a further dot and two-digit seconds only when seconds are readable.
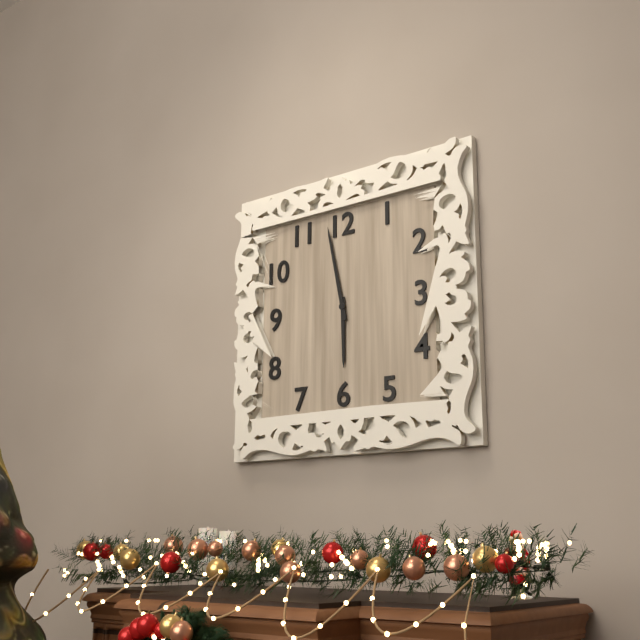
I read 5.58
